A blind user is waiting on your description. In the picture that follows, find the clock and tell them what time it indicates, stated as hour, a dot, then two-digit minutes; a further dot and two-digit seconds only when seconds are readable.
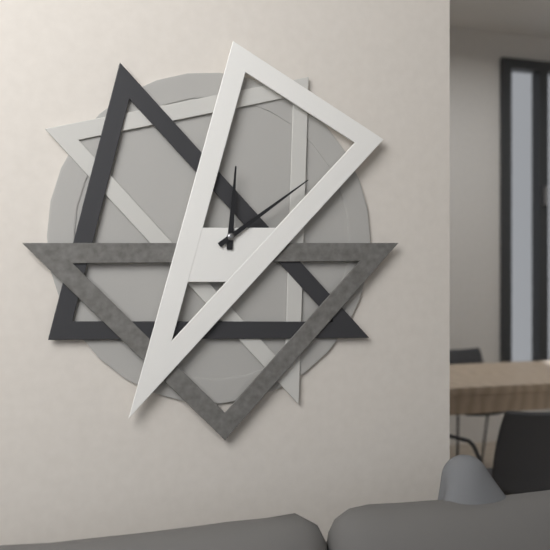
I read 12.09
